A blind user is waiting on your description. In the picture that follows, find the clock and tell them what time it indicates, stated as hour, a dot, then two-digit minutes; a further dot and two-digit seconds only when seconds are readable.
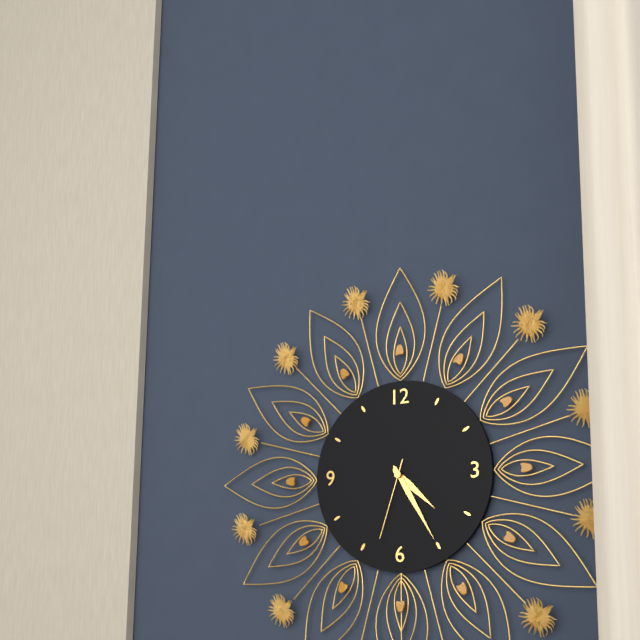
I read 4.25.33
